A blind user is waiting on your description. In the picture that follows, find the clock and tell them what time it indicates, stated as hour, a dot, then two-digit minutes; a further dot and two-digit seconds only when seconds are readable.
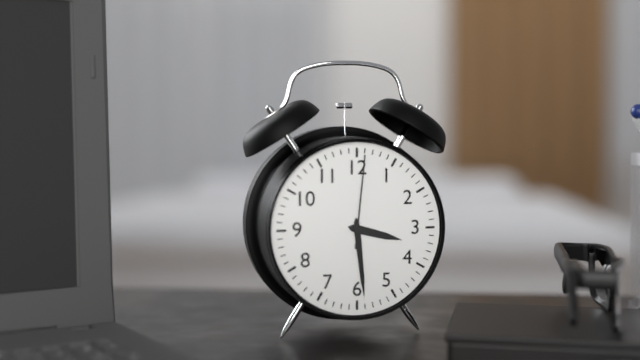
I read 3.29.01
